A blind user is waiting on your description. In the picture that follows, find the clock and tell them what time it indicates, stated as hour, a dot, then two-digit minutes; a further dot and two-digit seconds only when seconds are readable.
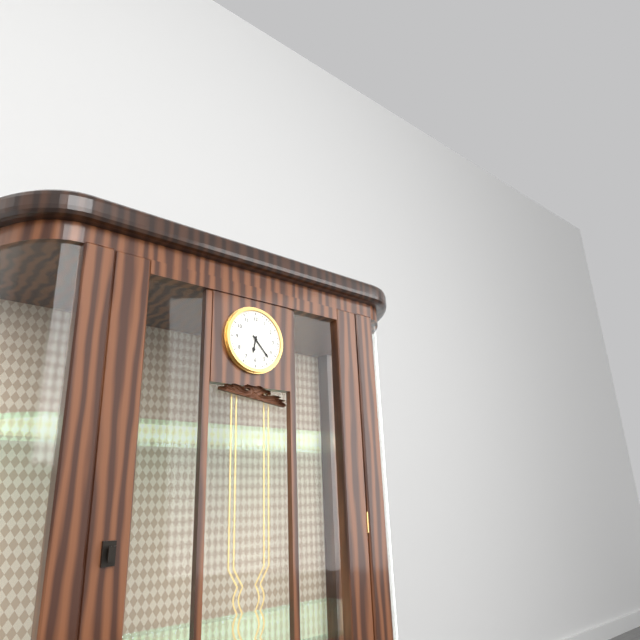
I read 6.23
